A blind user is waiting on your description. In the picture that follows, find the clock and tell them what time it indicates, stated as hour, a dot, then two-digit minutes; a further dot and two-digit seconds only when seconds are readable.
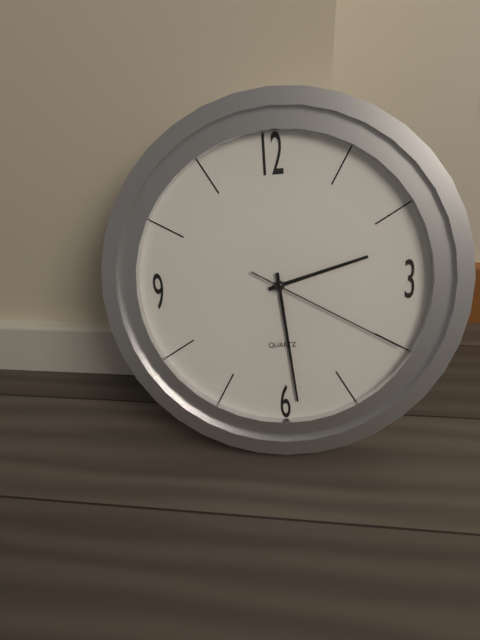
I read 2.29.20
